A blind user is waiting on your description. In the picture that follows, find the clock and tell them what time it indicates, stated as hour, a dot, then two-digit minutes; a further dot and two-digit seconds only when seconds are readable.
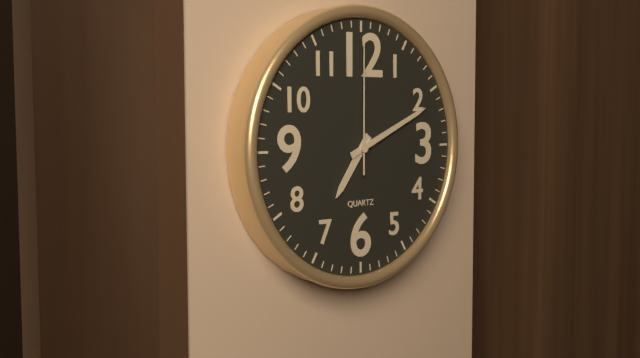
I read 7.11.00
